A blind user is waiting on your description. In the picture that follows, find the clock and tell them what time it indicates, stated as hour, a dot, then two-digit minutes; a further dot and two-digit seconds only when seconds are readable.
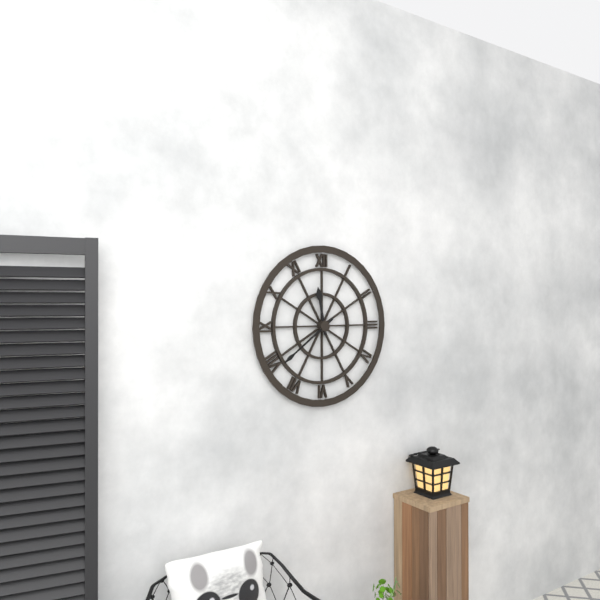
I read 11.39
